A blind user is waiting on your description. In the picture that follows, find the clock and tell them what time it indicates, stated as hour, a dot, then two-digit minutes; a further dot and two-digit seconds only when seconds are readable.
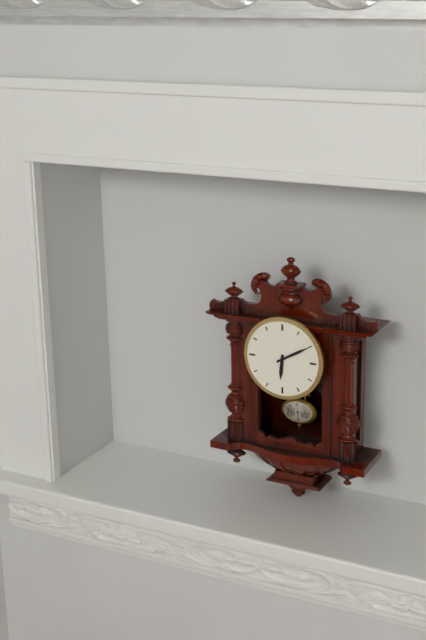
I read 6.10
